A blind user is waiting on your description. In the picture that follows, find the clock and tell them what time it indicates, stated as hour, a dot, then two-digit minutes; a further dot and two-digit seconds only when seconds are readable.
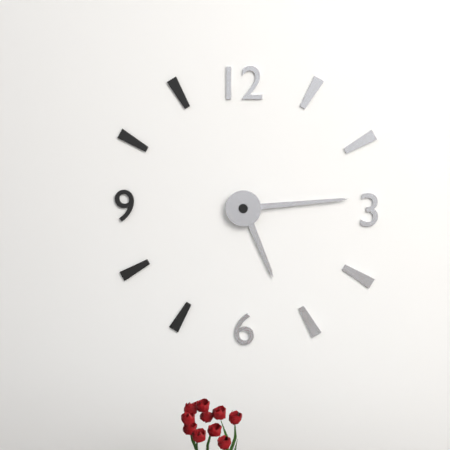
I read 5.14
